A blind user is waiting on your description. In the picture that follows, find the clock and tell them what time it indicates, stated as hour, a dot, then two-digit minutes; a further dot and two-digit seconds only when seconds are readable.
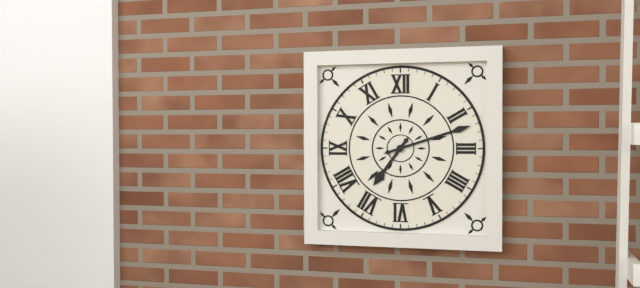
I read 7.12
